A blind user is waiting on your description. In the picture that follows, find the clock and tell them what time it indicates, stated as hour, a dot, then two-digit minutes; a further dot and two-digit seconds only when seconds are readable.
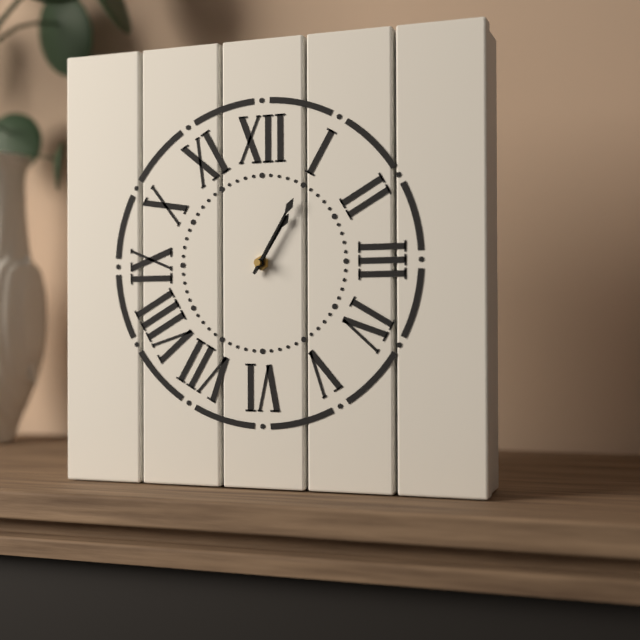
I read 1.05
